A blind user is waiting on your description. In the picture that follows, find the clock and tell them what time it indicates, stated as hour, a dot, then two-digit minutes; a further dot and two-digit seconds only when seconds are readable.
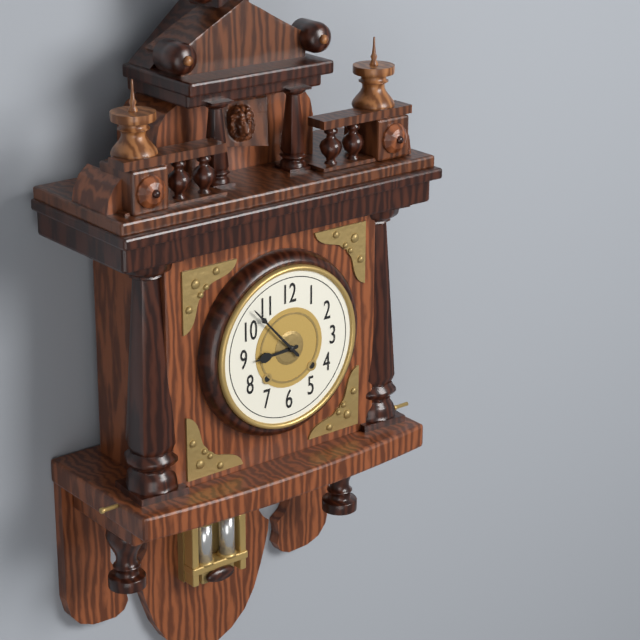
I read 8.53
